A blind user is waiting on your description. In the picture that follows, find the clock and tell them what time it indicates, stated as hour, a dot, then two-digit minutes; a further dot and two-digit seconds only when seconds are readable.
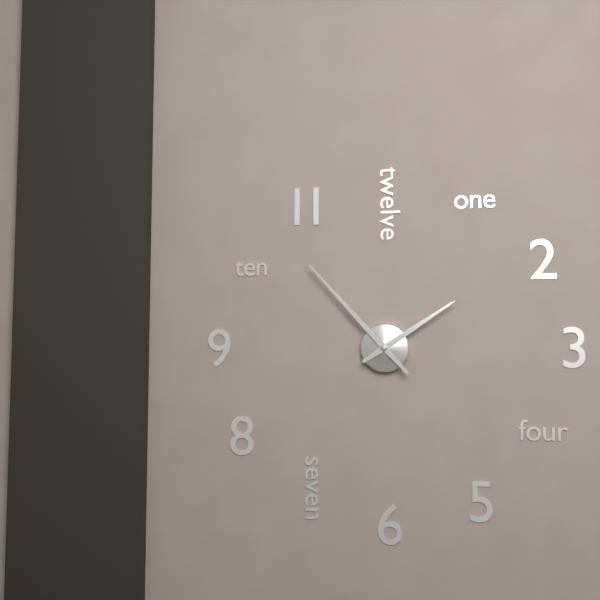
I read 1.53
